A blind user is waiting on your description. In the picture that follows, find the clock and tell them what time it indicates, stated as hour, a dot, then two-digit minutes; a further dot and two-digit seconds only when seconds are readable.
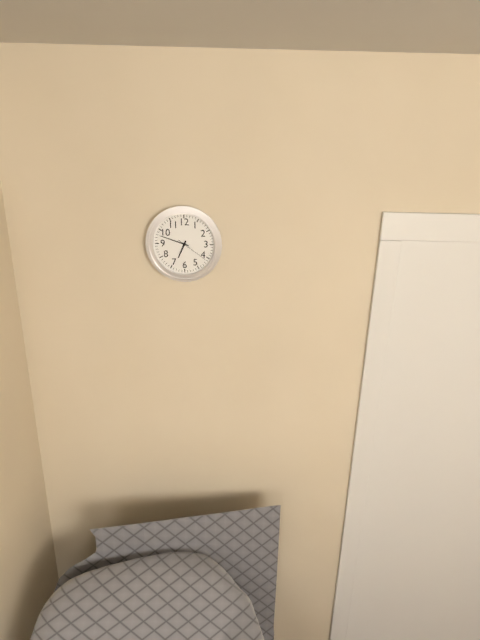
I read 6.48
